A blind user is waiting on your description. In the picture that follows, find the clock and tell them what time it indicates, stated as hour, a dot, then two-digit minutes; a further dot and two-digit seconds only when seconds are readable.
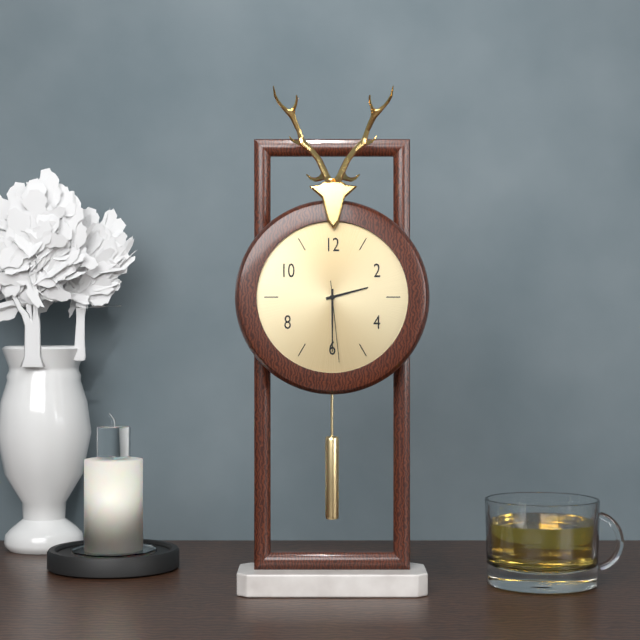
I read 2.30.29
